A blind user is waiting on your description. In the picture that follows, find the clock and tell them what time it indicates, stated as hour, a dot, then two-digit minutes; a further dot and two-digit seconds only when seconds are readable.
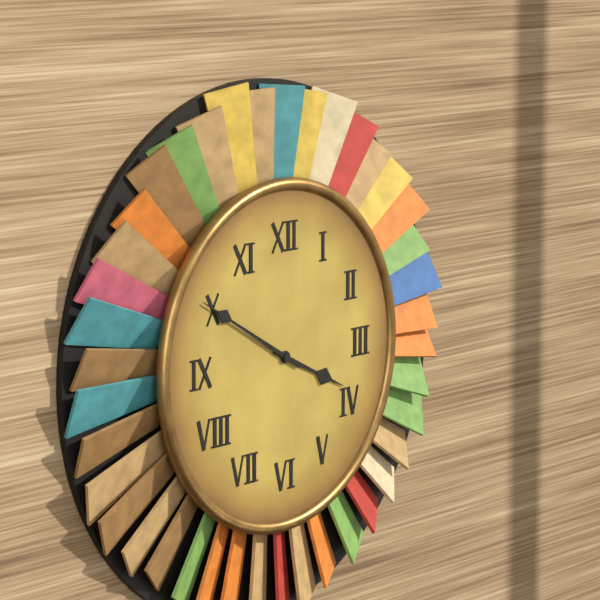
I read 3.50
